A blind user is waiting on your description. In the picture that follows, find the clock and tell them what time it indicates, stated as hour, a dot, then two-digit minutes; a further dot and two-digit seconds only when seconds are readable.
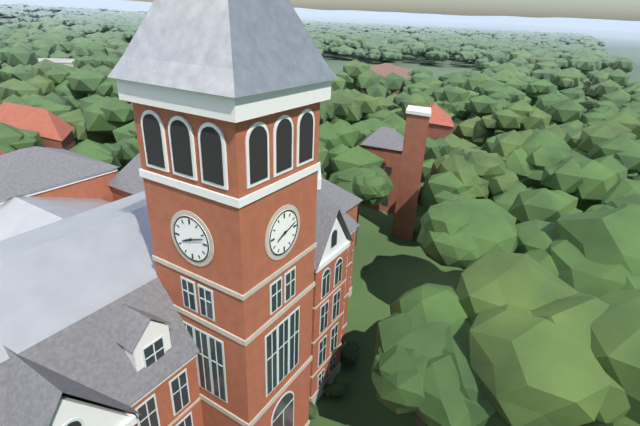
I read 8.12
